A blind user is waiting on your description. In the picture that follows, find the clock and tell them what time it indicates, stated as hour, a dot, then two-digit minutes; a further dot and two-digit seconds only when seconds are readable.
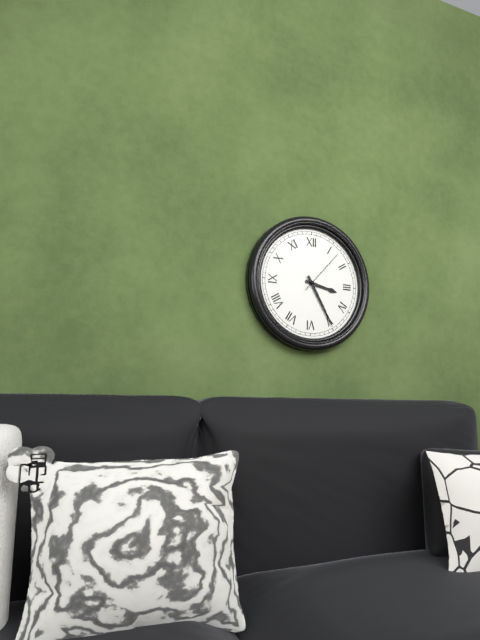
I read 3.25
